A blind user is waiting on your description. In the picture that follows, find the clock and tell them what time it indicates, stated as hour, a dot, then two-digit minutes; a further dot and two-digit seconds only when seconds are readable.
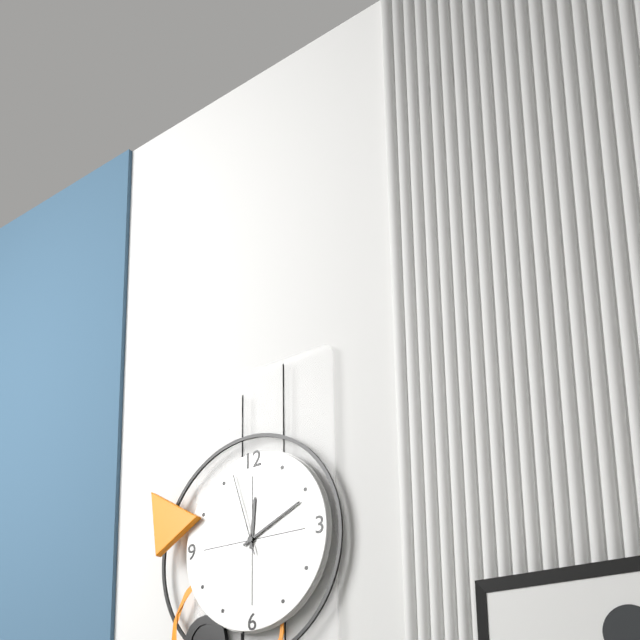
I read 12.11.57
